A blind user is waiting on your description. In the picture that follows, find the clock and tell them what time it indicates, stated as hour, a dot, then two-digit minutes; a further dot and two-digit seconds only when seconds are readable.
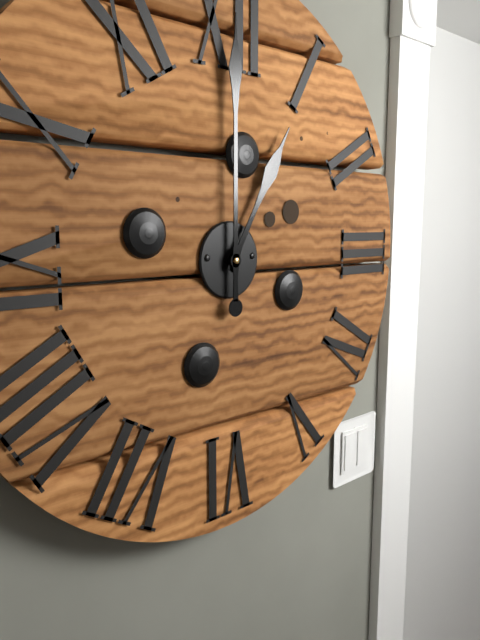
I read 1.00
